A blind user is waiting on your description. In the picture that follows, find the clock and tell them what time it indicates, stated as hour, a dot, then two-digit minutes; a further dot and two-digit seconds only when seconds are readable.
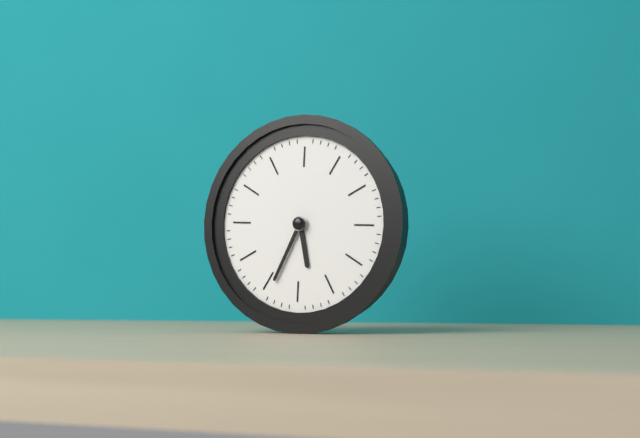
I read 5.34
